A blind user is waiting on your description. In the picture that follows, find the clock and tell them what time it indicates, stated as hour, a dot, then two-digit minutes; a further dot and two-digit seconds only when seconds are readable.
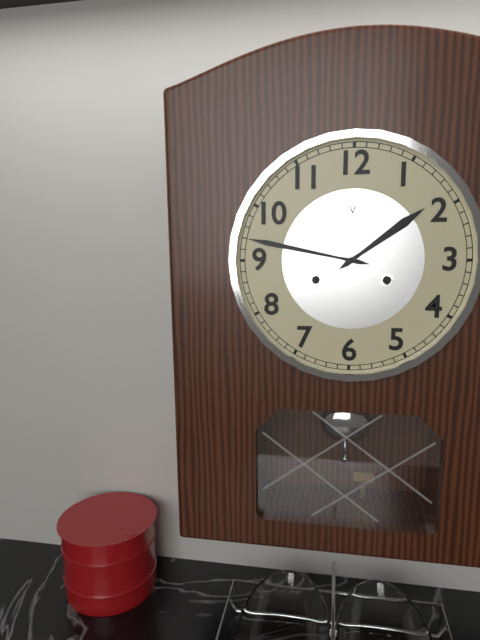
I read 1.47
